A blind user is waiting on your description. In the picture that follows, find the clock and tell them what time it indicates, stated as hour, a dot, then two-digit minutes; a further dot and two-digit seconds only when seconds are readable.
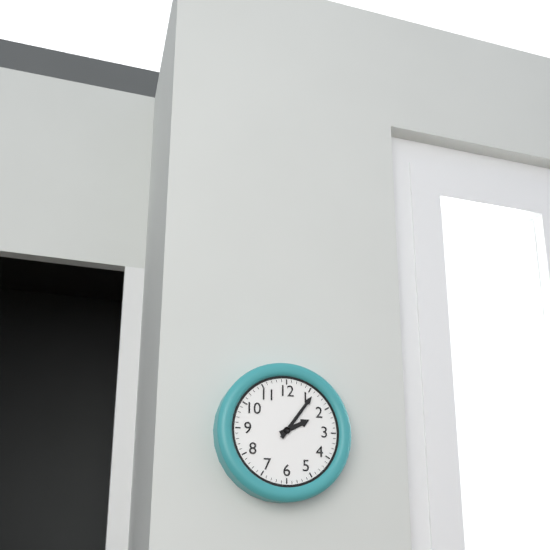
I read 2.06
